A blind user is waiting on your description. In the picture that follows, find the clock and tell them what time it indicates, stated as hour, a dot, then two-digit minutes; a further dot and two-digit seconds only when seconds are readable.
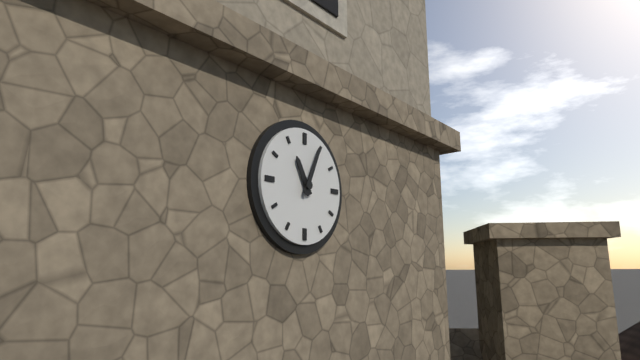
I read 11.04
